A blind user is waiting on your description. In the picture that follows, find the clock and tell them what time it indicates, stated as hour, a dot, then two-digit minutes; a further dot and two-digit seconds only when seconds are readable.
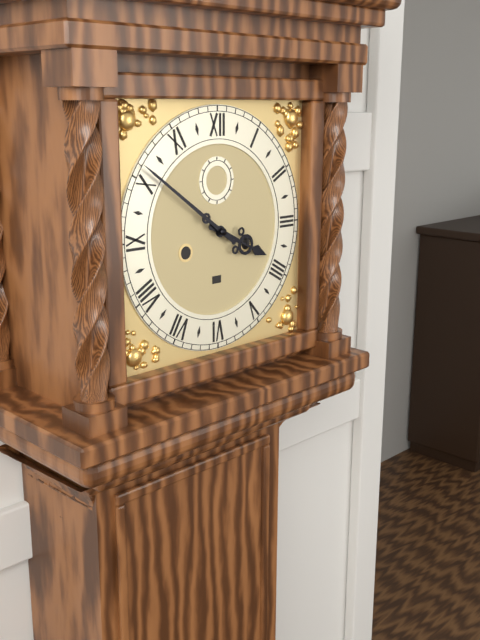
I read 3.51
